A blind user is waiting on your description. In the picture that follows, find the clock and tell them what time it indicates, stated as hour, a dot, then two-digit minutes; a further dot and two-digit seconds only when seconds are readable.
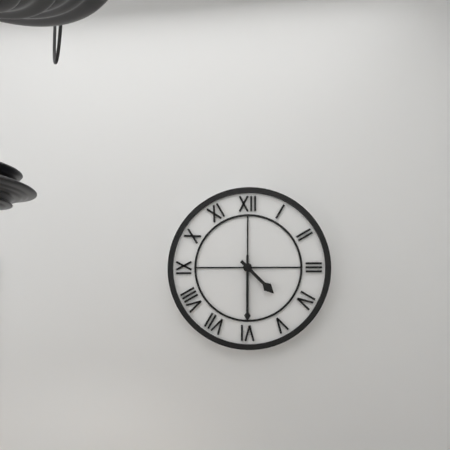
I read 4.30
